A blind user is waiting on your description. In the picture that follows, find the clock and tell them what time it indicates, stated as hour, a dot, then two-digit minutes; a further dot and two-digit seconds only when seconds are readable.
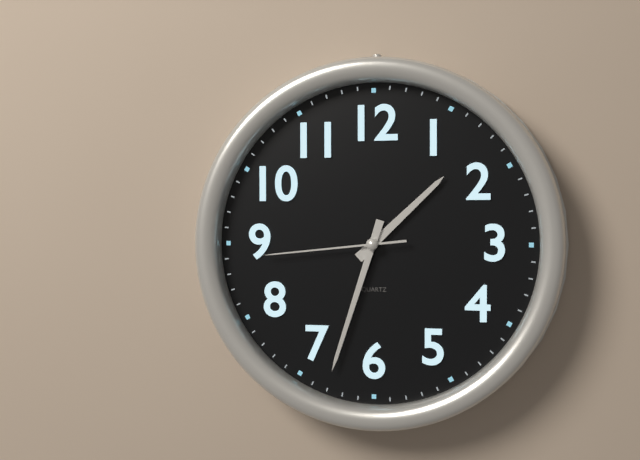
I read 1.33.44
